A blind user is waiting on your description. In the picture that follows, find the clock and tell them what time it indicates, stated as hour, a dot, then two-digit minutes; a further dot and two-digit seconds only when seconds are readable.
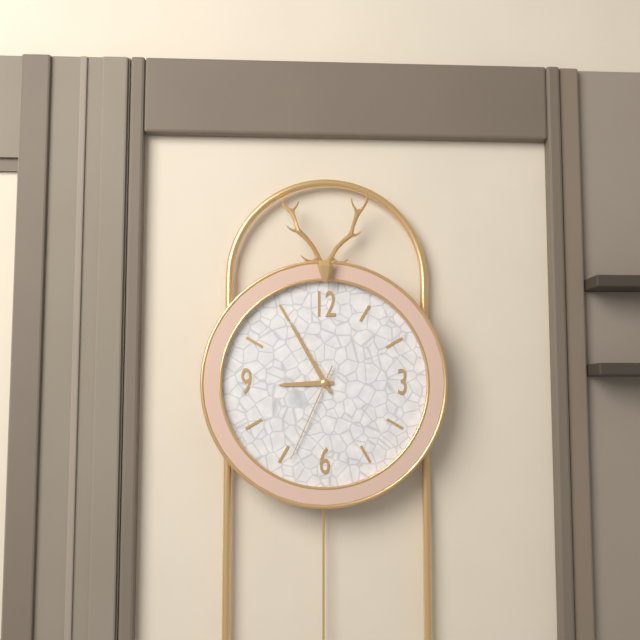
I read 8.55.34
